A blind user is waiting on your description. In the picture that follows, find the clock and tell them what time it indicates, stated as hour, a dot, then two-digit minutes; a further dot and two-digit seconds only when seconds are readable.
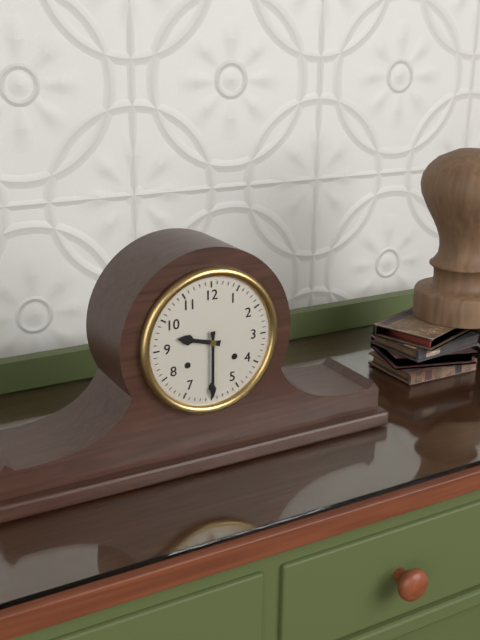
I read 9.30
